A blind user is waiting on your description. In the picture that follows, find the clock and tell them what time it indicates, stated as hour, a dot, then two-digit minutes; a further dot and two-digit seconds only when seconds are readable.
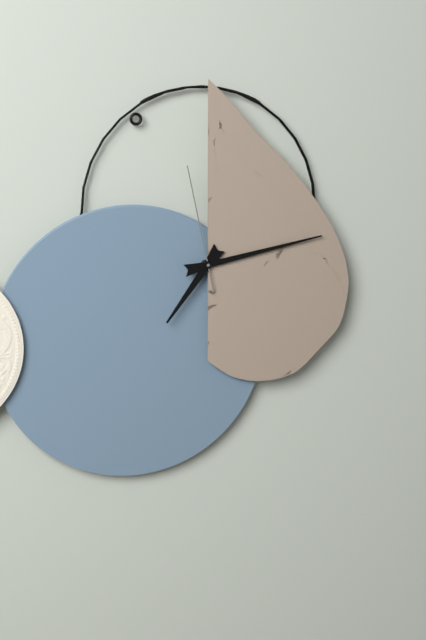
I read 7.13.58
